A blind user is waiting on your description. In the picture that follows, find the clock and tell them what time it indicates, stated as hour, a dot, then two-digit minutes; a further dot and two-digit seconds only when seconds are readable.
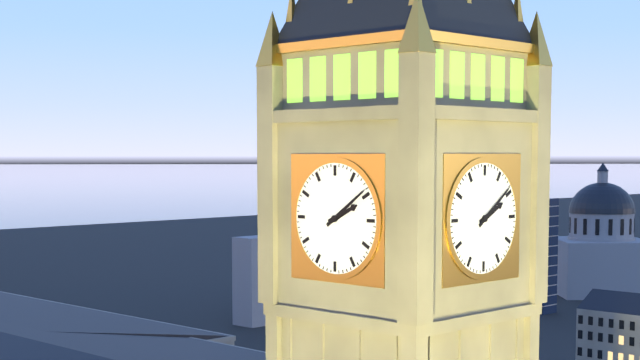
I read 2.09
